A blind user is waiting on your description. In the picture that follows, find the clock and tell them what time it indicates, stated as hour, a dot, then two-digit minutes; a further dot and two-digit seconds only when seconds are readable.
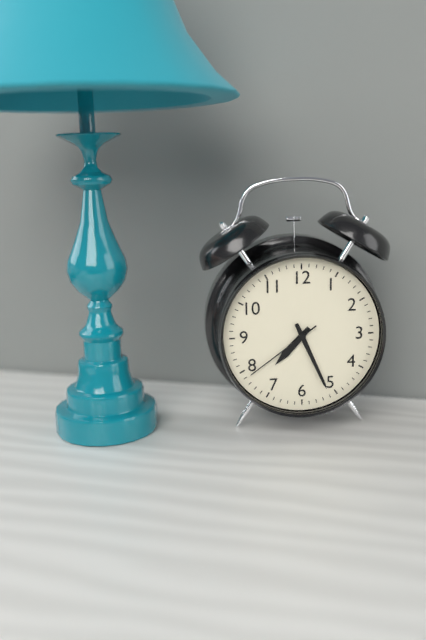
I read 7.26.39
